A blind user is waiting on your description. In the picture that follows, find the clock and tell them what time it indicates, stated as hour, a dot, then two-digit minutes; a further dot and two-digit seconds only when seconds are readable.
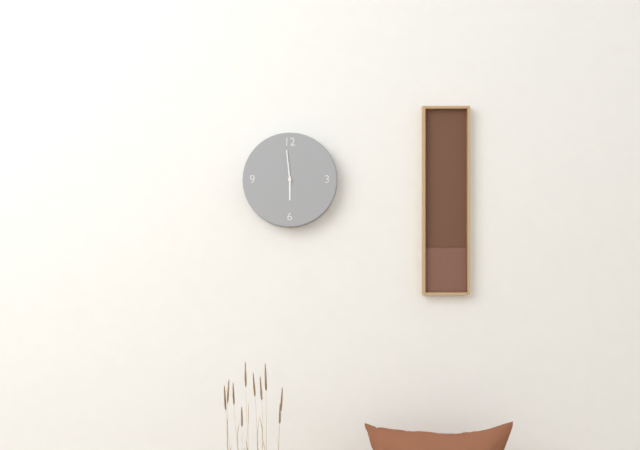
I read 5.59
